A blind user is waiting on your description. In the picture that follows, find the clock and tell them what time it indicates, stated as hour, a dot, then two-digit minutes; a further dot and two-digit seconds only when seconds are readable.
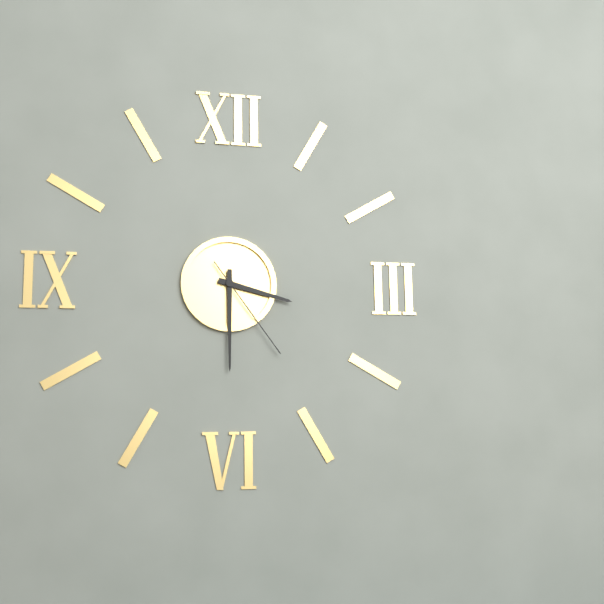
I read 3.30.24
